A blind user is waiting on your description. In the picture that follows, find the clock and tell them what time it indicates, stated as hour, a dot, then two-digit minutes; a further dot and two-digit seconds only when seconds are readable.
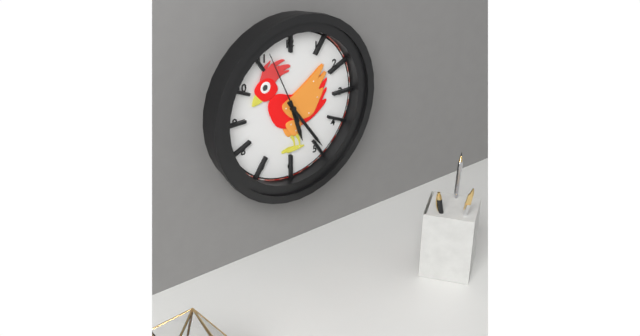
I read 5.24.56
